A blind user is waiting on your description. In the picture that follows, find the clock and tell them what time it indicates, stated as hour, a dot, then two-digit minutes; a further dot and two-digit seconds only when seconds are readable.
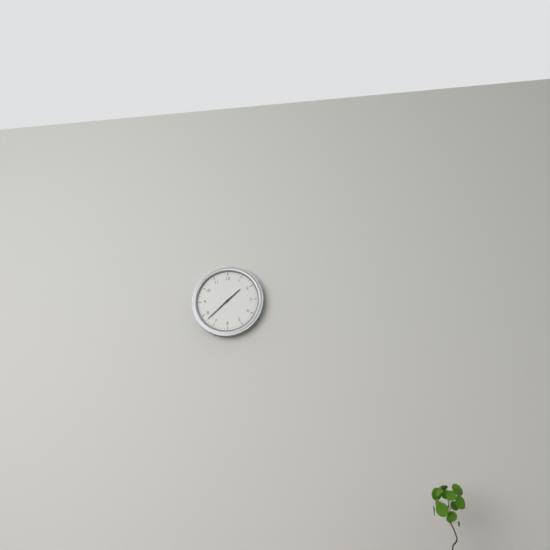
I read 1.38
